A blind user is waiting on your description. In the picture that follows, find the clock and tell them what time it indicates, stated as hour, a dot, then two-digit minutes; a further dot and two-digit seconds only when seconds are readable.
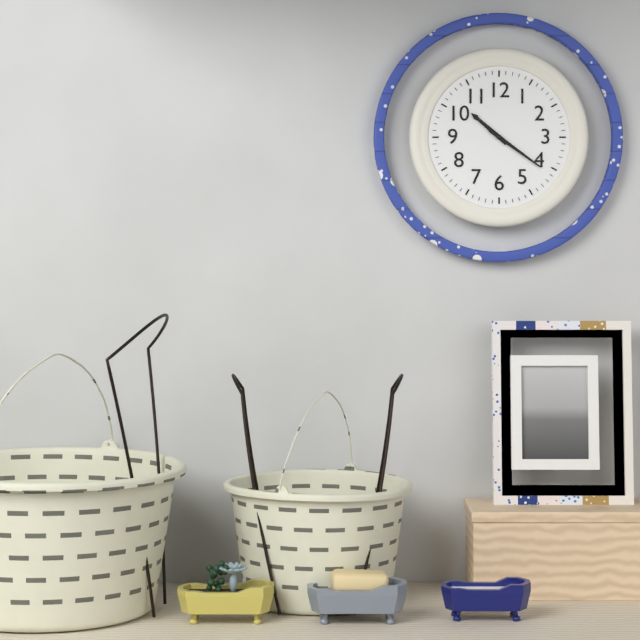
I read 10.21
